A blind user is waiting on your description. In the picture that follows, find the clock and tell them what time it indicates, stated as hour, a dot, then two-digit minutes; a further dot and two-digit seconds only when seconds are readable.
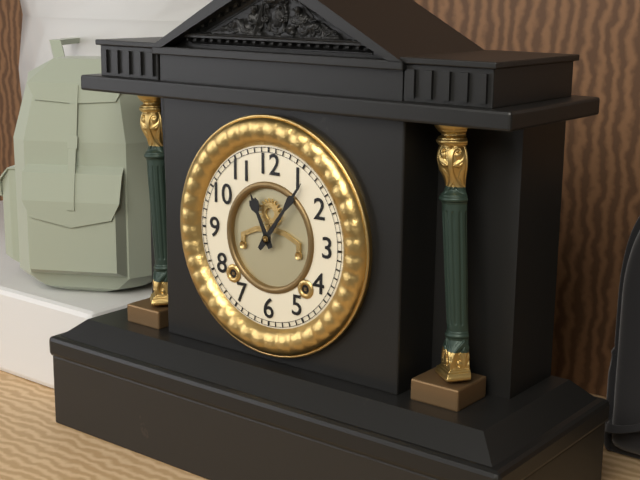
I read 11.06
